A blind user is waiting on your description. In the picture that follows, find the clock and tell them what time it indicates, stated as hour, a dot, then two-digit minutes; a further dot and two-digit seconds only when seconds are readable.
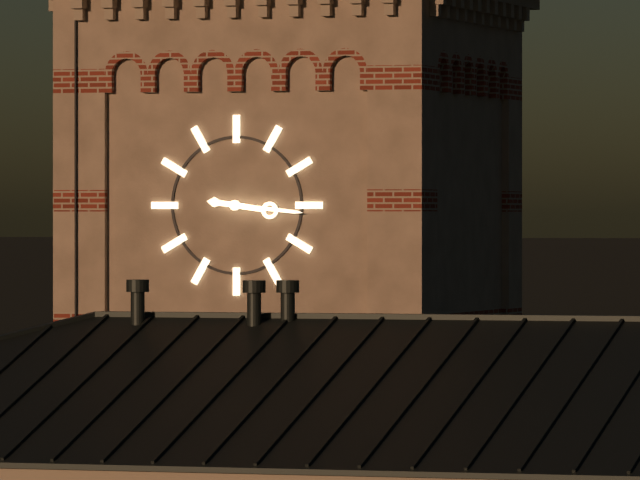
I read 9.16
